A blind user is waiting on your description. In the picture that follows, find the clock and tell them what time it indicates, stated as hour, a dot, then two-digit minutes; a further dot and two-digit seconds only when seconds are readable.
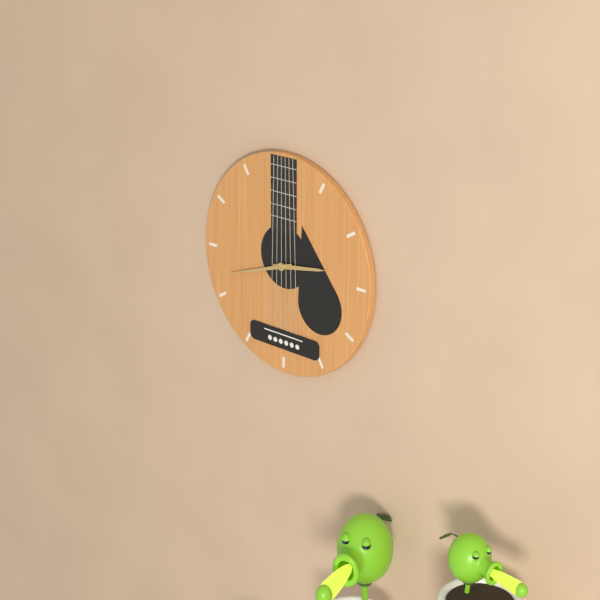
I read 2.42
